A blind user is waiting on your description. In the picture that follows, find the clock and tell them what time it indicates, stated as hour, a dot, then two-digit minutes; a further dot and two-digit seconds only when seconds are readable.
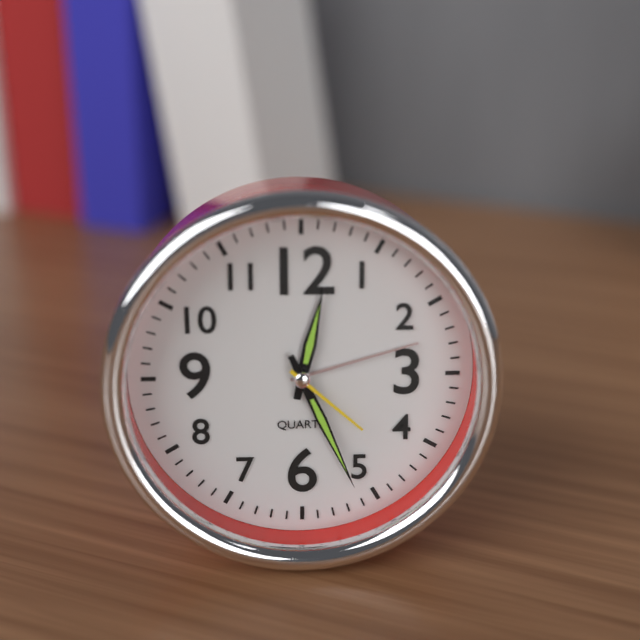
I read 12.26.22
